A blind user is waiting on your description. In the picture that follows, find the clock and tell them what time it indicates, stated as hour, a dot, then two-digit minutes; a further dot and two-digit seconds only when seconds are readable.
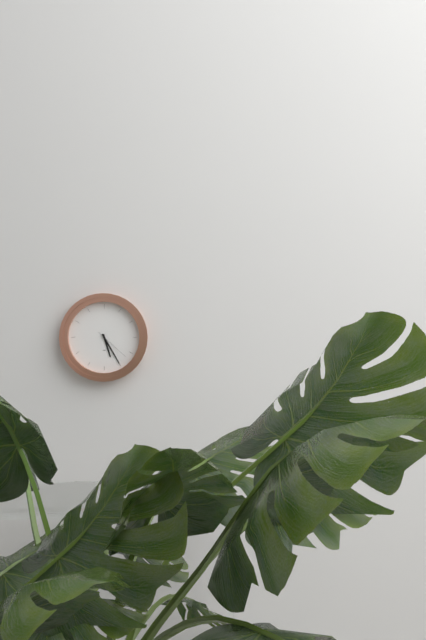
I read 5.25
